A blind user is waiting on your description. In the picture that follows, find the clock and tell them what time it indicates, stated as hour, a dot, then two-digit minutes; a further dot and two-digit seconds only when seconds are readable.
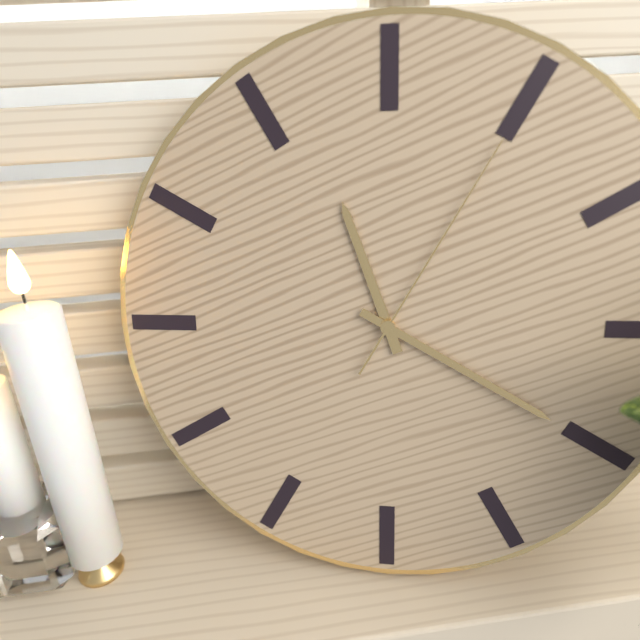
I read 11.20.05
